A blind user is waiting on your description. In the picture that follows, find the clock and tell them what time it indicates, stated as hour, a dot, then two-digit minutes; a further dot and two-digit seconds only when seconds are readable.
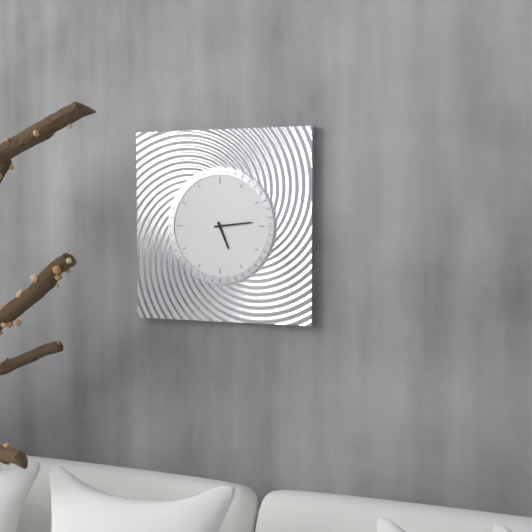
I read 5.14
